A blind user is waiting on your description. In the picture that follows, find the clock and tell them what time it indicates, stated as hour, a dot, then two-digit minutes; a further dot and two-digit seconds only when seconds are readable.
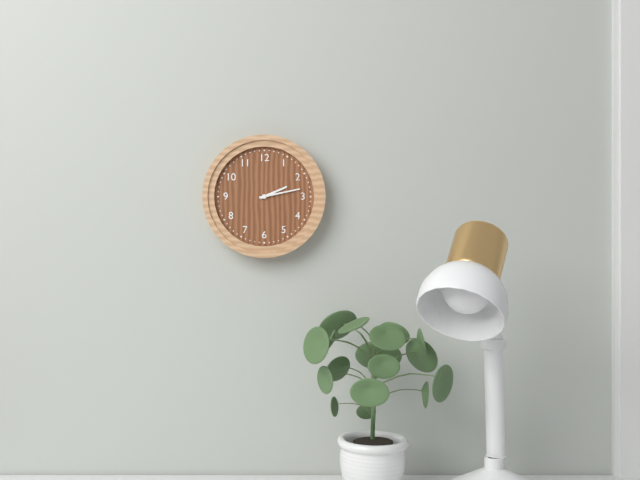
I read 2.13
